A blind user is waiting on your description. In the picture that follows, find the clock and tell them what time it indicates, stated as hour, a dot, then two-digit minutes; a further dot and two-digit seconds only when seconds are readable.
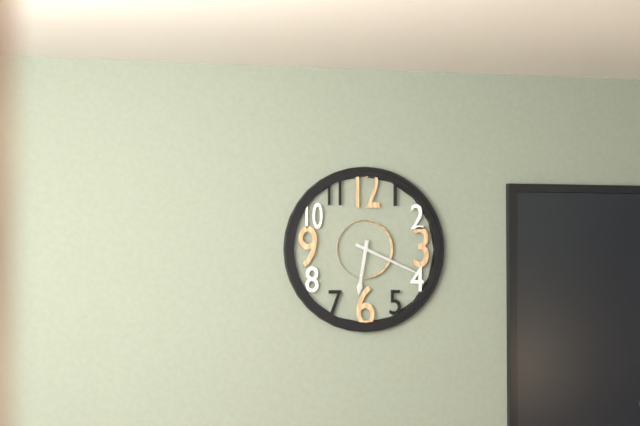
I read 6.19
